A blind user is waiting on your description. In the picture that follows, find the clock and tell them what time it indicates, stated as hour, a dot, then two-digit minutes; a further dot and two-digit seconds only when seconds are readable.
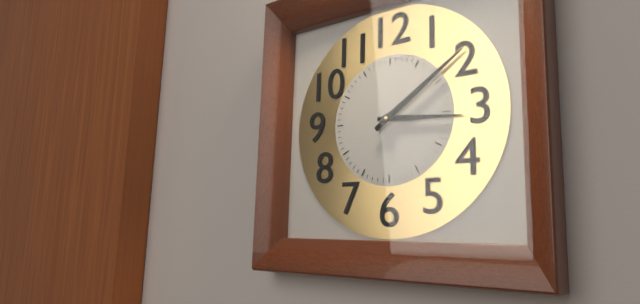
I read 3.09
